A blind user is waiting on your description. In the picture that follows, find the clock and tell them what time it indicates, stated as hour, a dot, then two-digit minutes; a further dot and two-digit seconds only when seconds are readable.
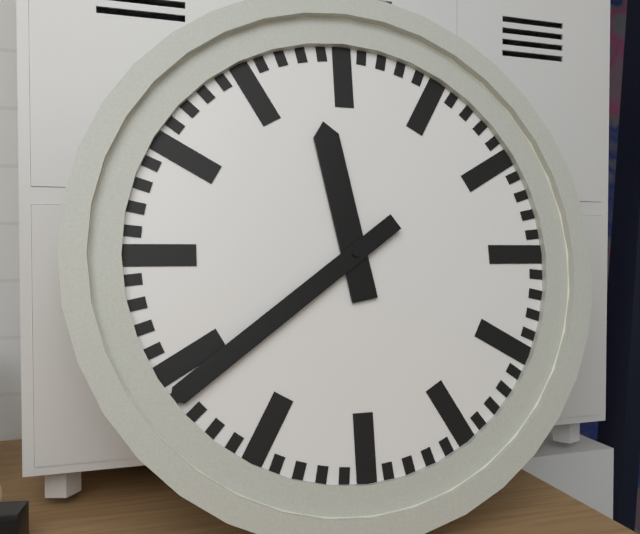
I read 11.39
